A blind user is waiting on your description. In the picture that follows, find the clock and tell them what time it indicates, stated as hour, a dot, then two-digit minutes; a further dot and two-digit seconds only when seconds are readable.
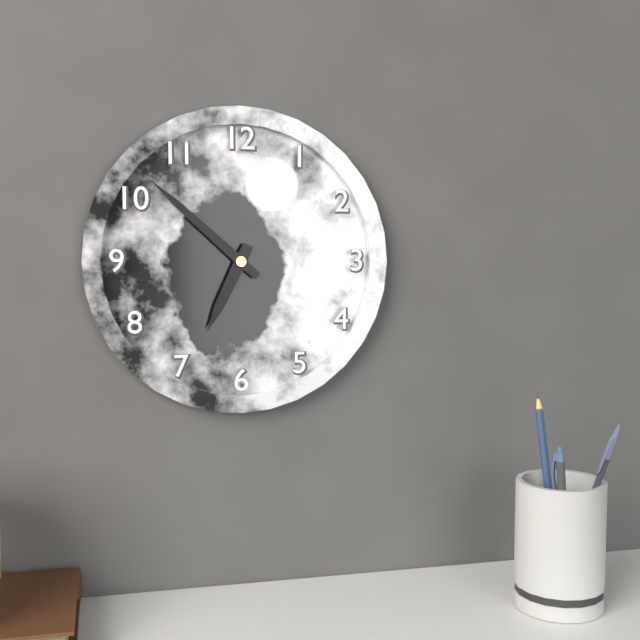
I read 6.52
